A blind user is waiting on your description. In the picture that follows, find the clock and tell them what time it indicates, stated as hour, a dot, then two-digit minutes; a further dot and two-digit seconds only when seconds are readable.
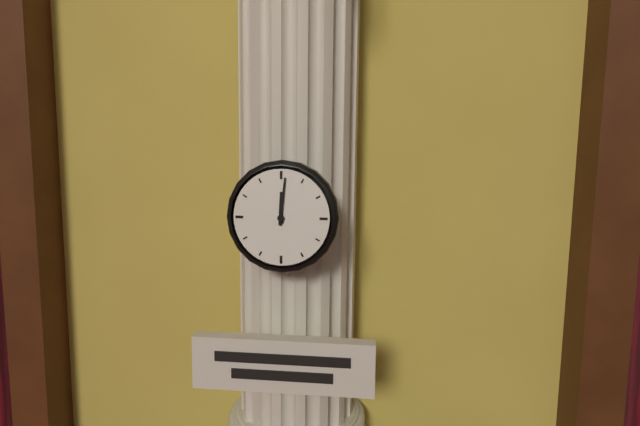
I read 12.01
